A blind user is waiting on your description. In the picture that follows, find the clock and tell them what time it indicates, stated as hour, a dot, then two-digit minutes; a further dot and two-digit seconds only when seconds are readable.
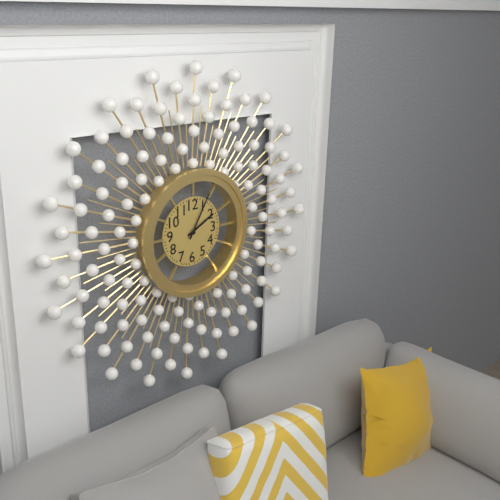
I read 2.05
